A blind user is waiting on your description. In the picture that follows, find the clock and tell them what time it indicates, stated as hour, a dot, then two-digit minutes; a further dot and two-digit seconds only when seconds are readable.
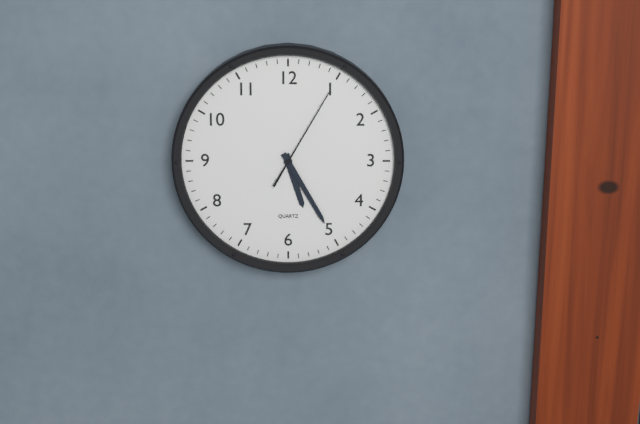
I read 5.25.05
